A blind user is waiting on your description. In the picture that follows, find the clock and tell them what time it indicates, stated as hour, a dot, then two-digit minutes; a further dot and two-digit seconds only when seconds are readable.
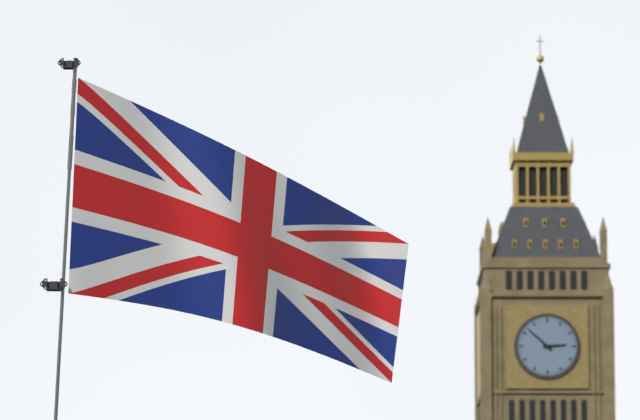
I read 2.52
